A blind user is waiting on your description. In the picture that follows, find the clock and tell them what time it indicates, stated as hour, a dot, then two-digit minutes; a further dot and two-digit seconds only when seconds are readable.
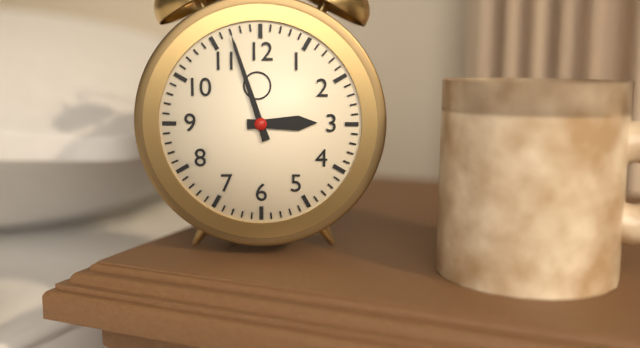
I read 2.57
